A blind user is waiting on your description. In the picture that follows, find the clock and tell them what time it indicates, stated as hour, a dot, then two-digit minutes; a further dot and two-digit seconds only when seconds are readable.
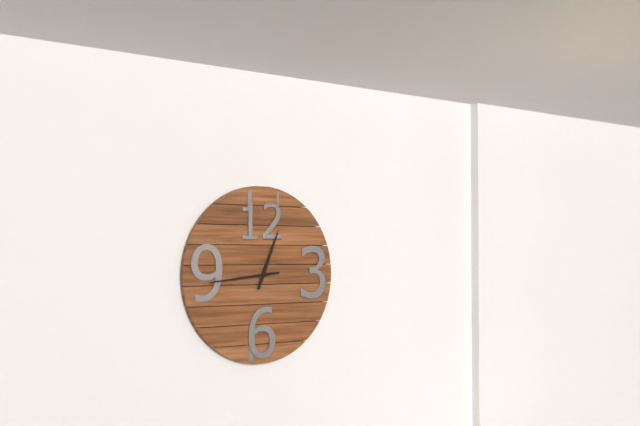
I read 12.44
